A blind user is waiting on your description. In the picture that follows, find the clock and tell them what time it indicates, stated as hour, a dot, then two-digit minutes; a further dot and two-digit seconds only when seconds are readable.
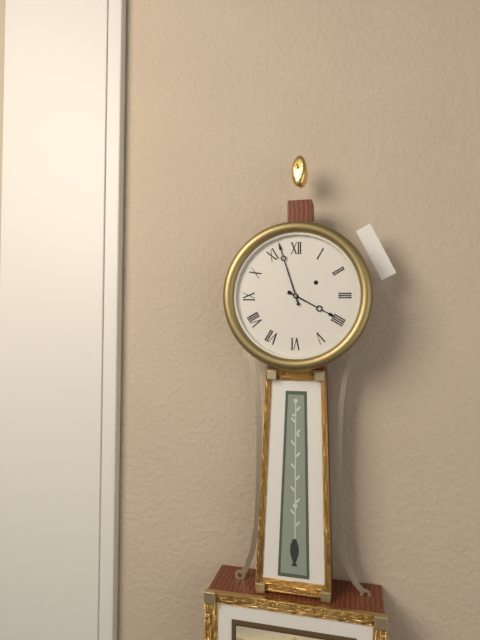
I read 3.57
